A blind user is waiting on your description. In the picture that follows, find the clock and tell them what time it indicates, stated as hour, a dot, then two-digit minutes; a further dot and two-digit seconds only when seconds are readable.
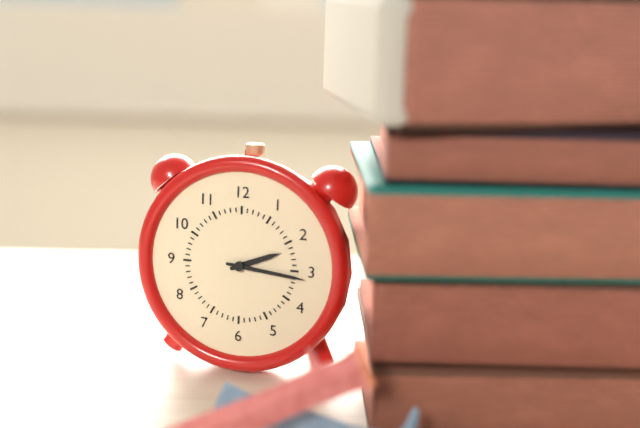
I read 2.16
